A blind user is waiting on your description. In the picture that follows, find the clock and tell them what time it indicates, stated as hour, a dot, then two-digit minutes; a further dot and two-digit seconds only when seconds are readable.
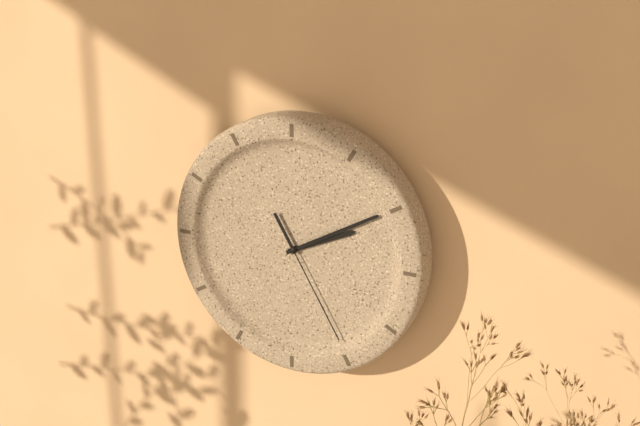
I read 2.10.25
